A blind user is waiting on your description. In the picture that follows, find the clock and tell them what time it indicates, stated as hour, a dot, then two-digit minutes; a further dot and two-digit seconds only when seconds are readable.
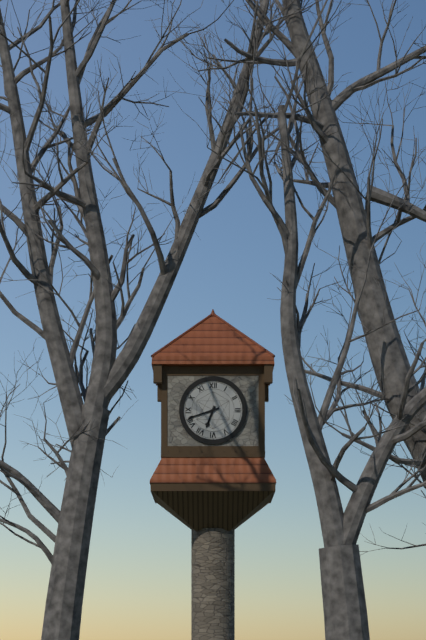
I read 6.42
